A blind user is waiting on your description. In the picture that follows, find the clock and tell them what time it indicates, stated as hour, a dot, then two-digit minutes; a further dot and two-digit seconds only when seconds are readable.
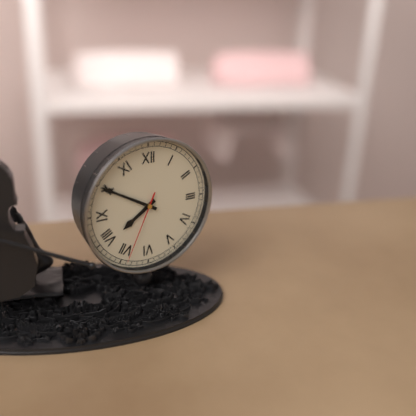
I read 7.50.34
